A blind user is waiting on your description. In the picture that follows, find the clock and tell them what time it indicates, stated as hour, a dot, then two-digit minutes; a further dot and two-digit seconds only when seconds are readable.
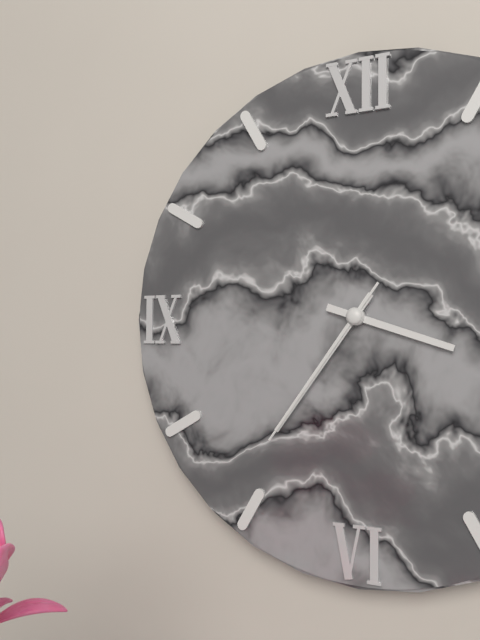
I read 3.36.36
